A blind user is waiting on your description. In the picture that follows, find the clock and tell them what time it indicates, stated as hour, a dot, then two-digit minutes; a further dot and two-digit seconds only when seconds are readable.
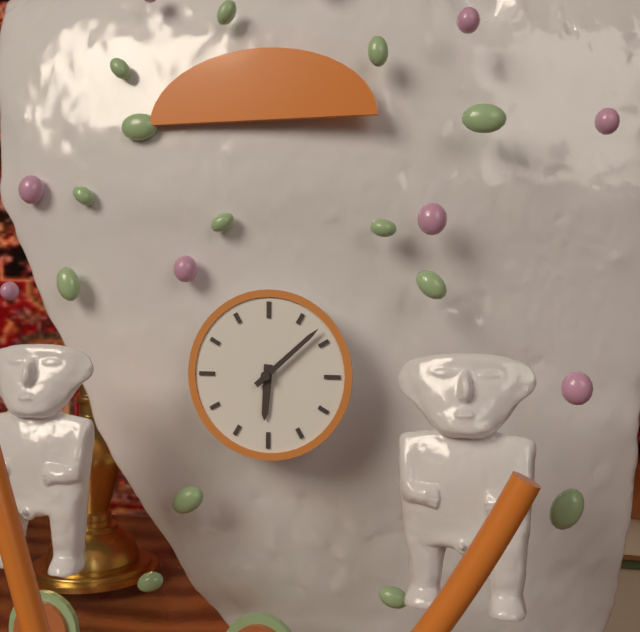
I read 6.08
